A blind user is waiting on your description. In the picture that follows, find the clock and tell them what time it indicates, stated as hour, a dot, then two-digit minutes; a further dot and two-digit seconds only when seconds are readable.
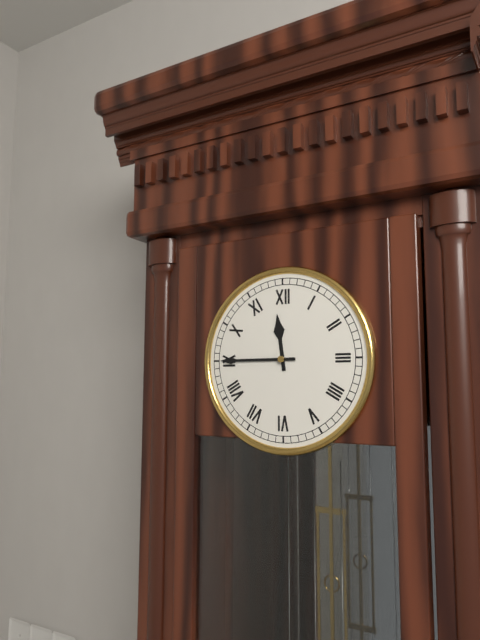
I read 11.45
